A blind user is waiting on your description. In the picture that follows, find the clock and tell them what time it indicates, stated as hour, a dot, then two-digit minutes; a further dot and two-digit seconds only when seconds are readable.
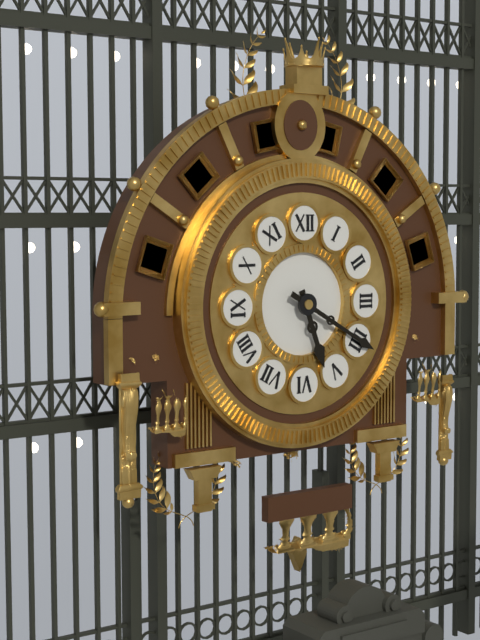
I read 5.20
